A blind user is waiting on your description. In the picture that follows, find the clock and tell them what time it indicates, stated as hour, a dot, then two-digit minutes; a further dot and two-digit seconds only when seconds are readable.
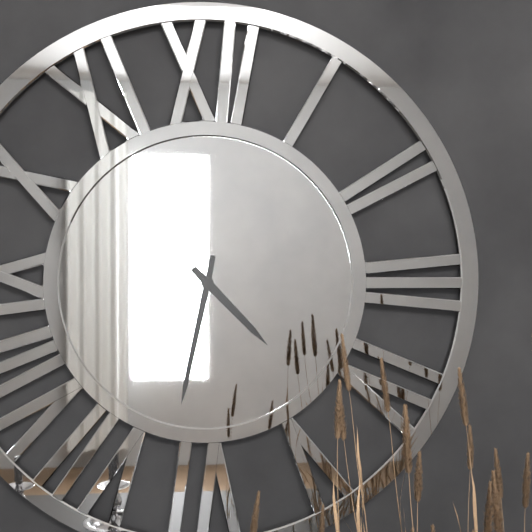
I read 4.32
